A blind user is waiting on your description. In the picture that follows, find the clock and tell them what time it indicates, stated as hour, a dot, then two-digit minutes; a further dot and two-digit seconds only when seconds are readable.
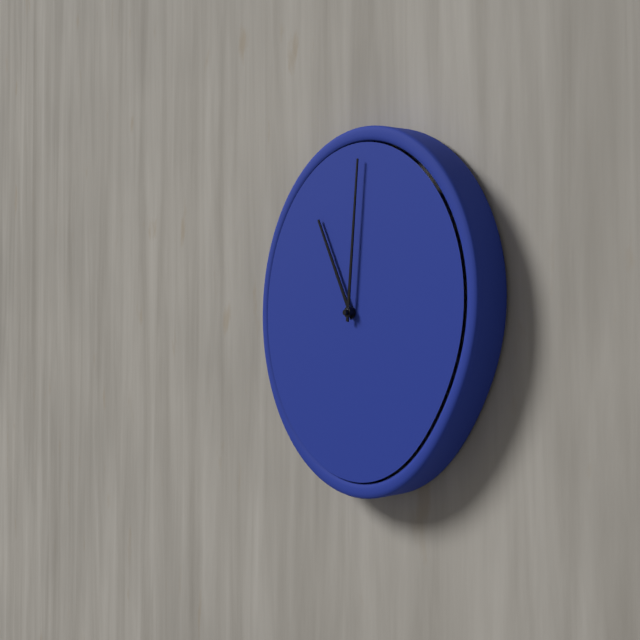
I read 11.01
